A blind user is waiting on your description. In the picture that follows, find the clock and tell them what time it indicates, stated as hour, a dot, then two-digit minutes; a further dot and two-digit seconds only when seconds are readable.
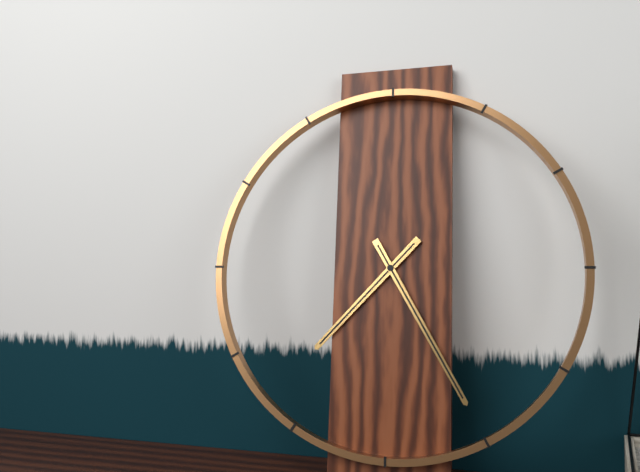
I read 7.25
